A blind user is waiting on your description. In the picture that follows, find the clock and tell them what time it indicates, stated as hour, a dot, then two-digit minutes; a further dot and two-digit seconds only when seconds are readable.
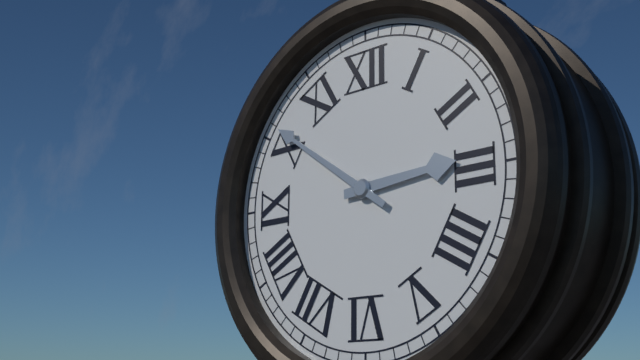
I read 2.51
